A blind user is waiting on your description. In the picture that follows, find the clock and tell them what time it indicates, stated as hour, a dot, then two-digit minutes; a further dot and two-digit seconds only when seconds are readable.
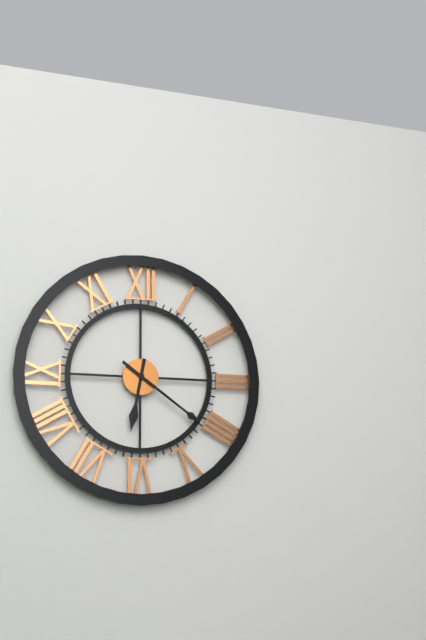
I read 6.21
